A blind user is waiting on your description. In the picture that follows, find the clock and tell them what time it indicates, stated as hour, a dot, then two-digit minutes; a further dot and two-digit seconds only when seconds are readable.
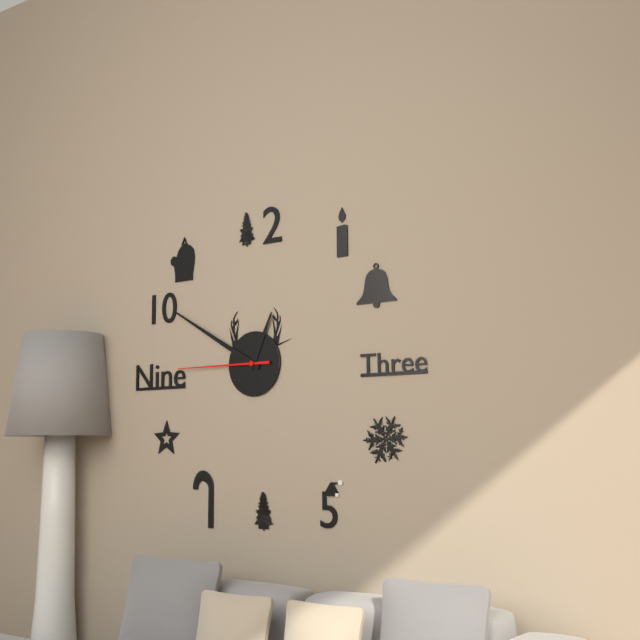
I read 12.50.45
